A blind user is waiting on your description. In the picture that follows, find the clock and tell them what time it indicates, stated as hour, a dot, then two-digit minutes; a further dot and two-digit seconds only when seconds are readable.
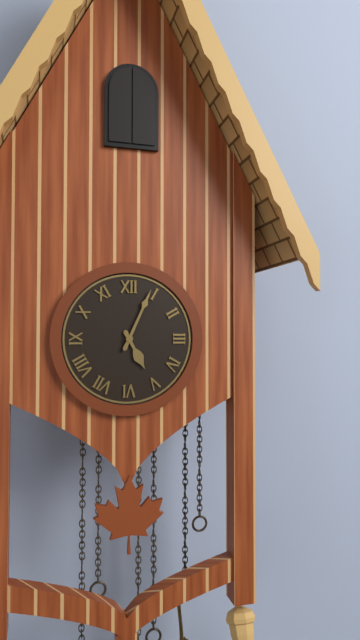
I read 5.04
